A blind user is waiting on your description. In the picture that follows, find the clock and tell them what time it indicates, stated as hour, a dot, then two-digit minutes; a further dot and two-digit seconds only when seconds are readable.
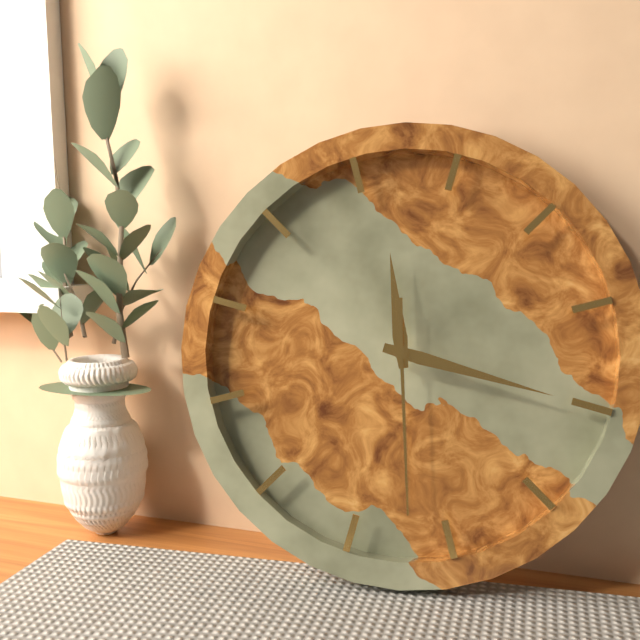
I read 11.15.27
